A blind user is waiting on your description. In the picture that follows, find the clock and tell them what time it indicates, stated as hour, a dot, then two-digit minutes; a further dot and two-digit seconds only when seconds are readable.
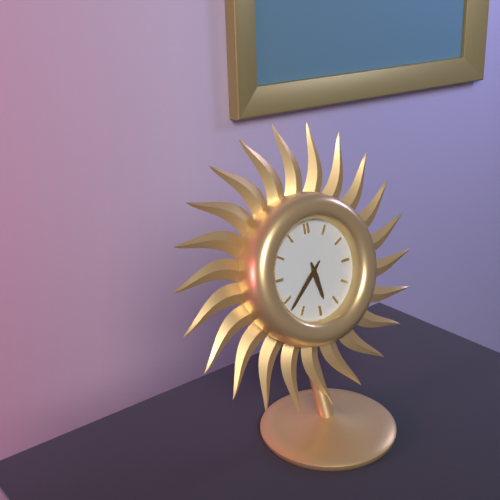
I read 5.38
